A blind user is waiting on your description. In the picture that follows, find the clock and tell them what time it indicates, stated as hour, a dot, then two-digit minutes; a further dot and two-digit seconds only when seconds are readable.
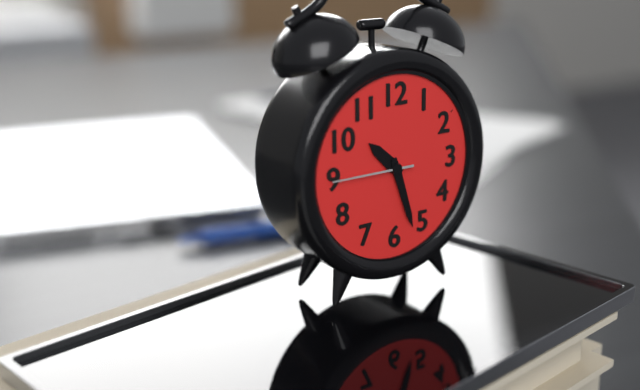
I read 10.27.45
